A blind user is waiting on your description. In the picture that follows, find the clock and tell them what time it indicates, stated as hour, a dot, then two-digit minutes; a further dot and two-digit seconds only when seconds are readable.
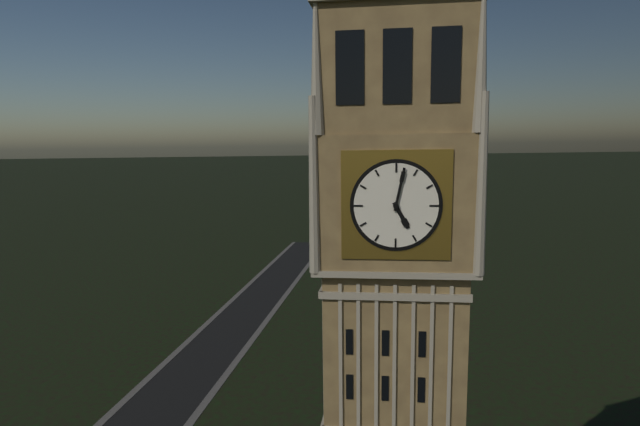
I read 5.02
